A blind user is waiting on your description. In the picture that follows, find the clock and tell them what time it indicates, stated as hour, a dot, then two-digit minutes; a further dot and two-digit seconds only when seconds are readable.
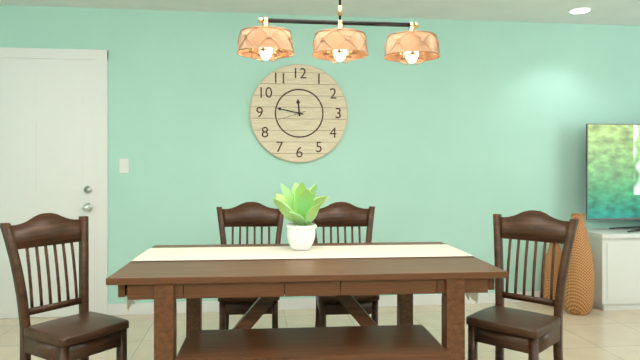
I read 11.47
